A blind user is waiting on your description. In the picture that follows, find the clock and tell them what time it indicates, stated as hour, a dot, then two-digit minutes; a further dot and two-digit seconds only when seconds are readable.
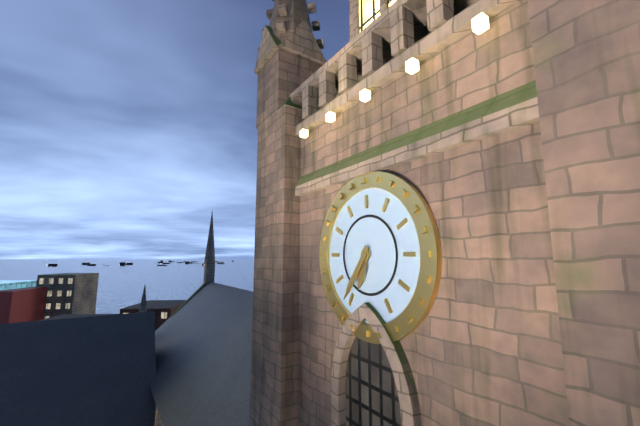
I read 6.36
